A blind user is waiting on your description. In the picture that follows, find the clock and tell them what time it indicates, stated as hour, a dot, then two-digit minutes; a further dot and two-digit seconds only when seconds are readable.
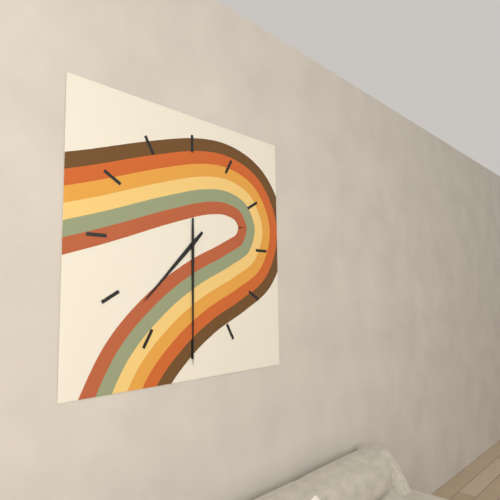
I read 7.30
